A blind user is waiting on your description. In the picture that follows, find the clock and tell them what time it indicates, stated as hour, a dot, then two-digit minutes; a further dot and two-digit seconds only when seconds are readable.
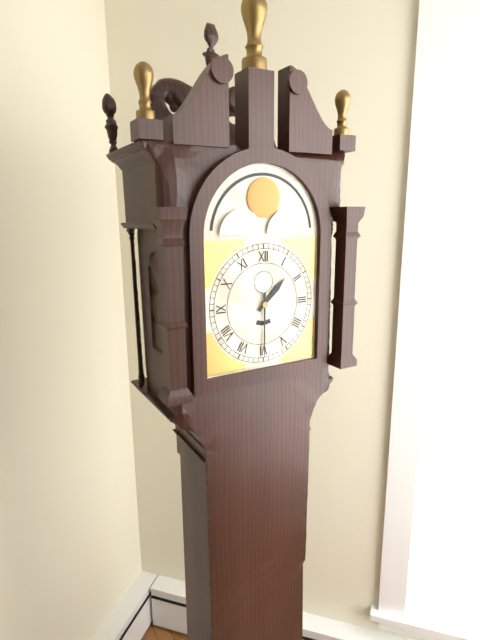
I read 1.30
